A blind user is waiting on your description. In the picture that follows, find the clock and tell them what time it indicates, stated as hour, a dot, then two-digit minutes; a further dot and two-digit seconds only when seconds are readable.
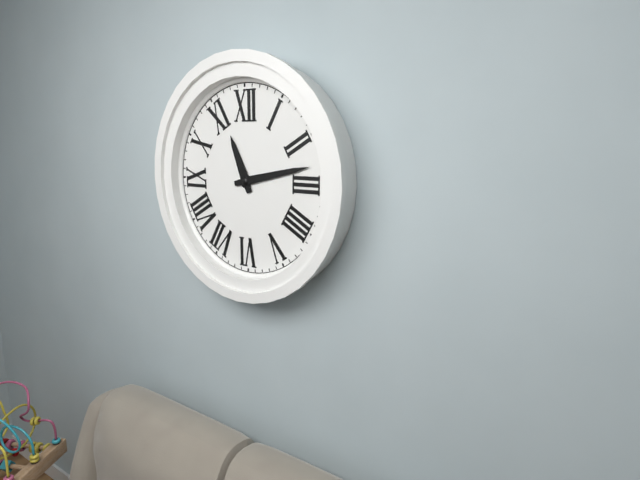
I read 11.13
